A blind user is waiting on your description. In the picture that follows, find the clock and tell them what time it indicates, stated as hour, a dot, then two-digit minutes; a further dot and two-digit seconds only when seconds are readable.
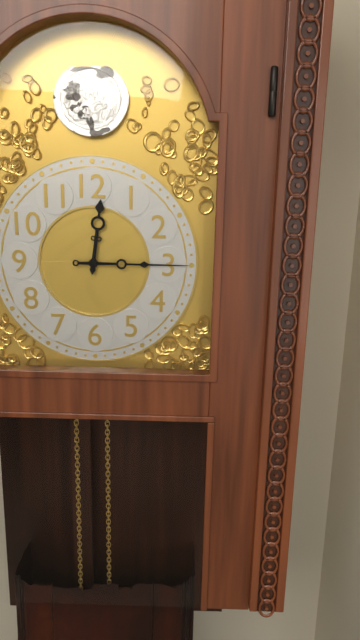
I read 12.15
